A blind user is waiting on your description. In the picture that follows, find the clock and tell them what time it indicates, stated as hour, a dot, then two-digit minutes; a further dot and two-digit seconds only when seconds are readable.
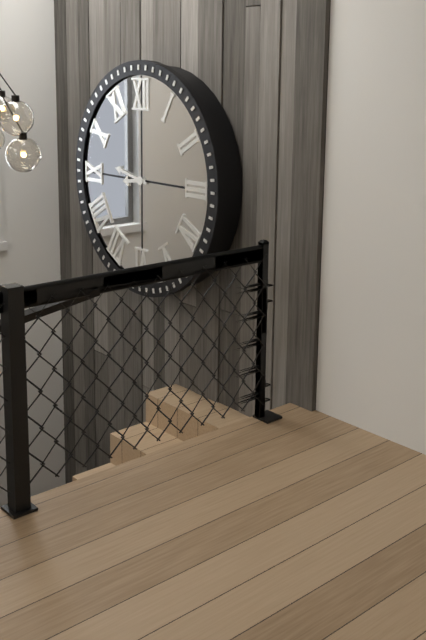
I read 8.47
